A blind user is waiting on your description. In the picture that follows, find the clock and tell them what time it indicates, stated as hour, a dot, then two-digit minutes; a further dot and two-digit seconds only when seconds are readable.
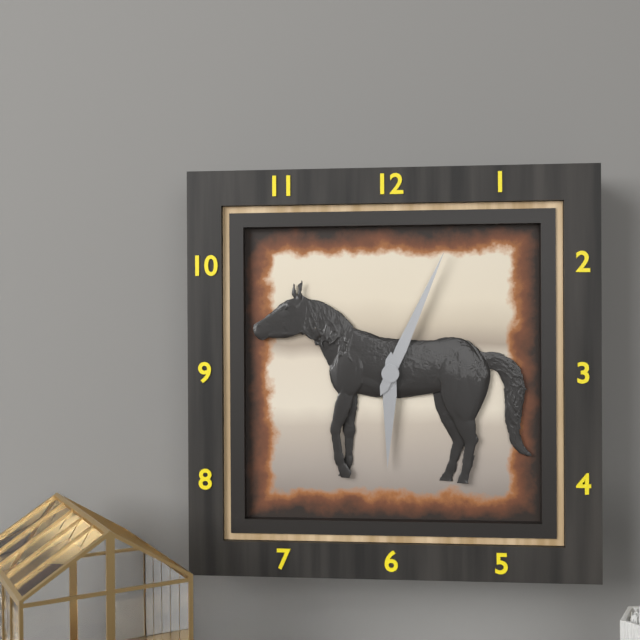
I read 6.04
